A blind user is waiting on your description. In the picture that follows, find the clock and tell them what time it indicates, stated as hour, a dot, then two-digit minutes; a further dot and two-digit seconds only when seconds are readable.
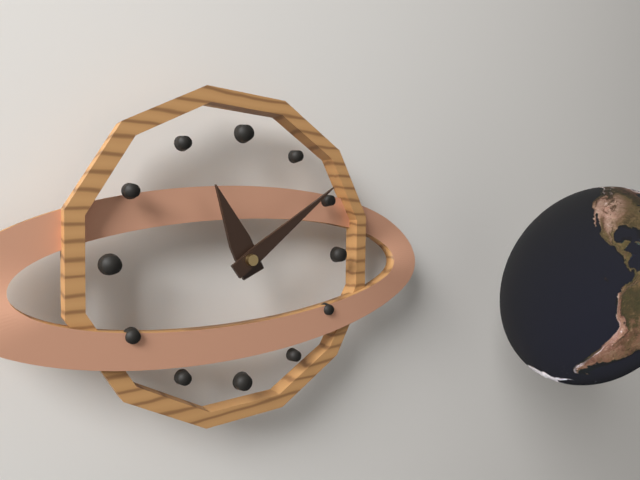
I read 11.09
